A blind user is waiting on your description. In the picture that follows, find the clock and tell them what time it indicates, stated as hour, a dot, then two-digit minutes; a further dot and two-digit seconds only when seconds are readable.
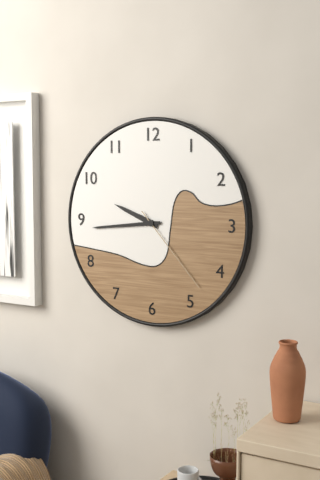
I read 9.44.23
